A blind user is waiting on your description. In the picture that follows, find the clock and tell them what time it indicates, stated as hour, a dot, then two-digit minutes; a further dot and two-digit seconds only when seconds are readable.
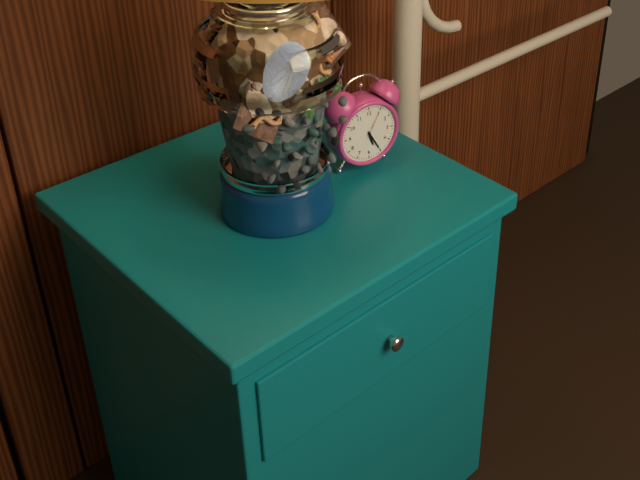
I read 5.25
